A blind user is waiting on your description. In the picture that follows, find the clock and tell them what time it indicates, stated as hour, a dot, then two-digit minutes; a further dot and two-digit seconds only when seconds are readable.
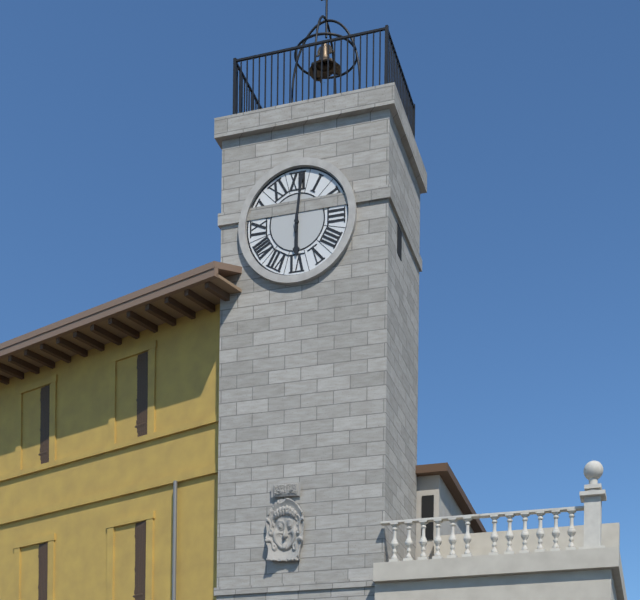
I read 6.01
